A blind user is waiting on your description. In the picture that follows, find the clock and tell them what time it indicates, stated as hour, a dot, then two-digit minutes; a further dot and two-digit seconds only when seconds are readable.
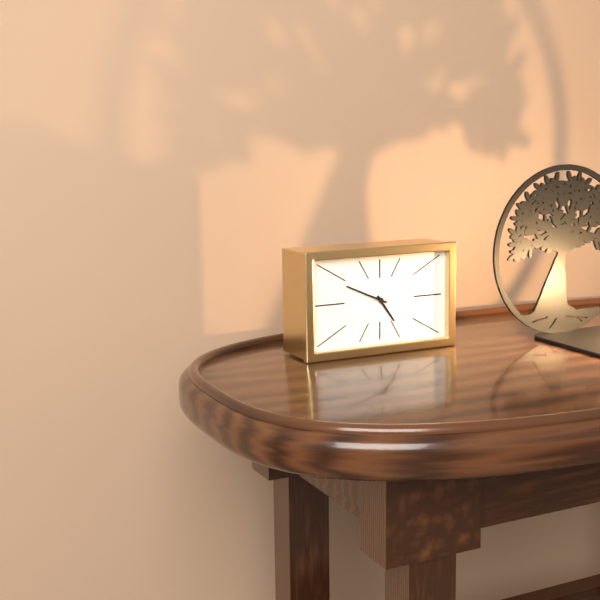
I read 4.49
